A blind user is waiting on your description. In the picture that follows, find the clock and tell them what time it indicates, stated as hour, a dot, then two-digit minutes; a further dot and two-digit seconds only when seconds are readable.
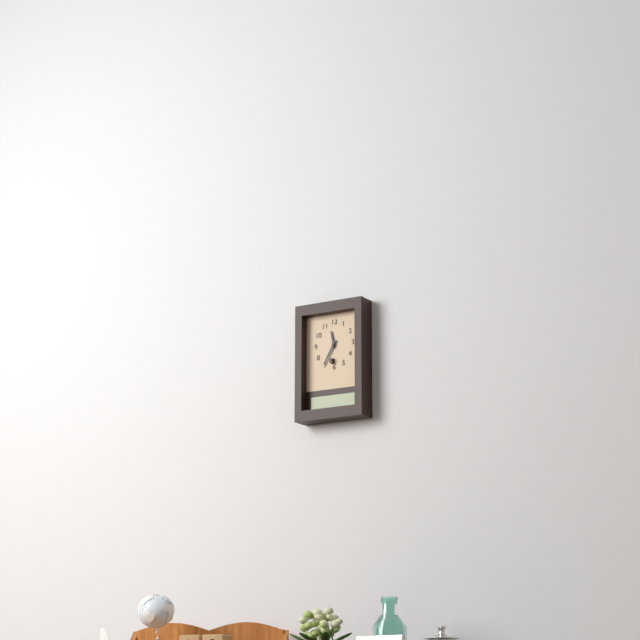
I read 11.35
